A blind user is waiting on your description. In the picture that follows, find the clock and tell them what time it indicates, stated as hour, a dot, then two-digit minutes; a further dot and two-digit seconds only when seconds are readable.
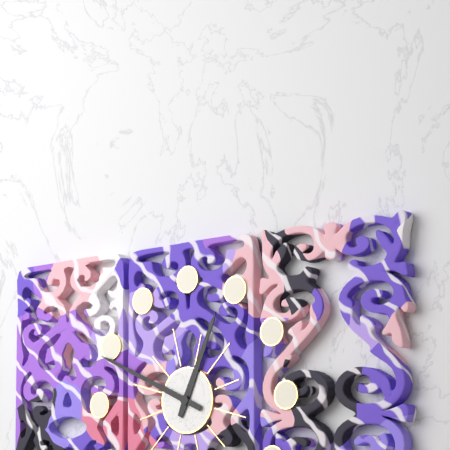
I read 12.49
